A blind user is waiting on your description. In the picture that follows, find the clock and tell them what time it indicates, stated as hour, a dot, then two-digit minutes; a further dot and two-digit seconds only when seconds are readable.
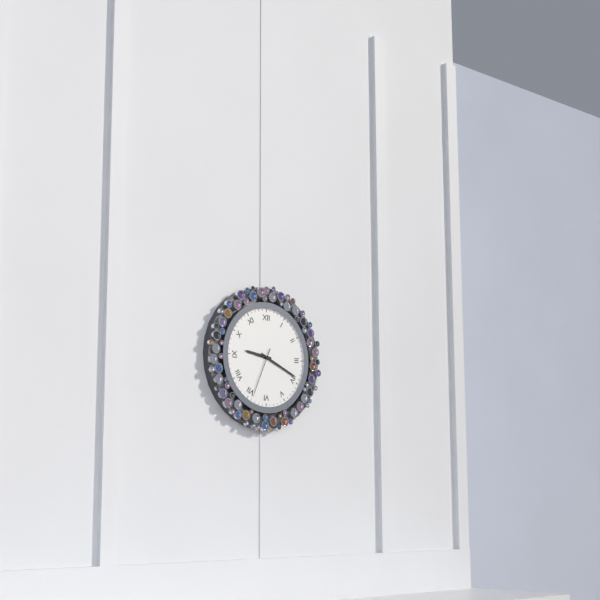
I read 9.19.34
